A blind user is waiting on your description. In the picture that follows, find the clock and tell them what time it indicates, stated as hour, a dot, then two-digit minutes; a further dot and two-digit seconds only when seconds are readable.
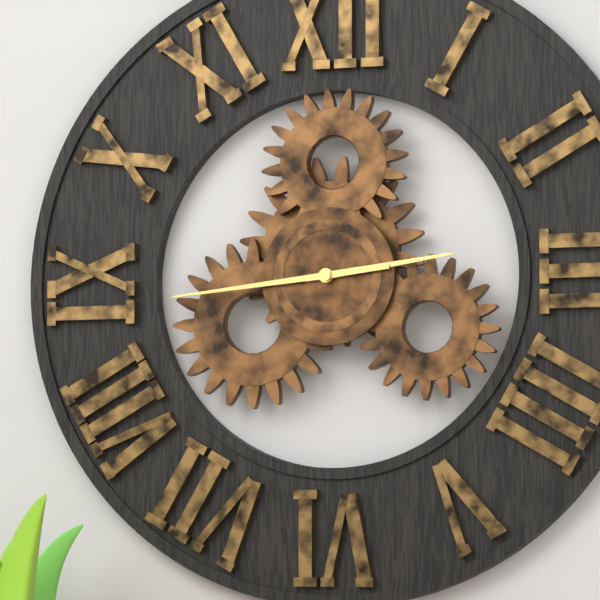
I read 2.44
